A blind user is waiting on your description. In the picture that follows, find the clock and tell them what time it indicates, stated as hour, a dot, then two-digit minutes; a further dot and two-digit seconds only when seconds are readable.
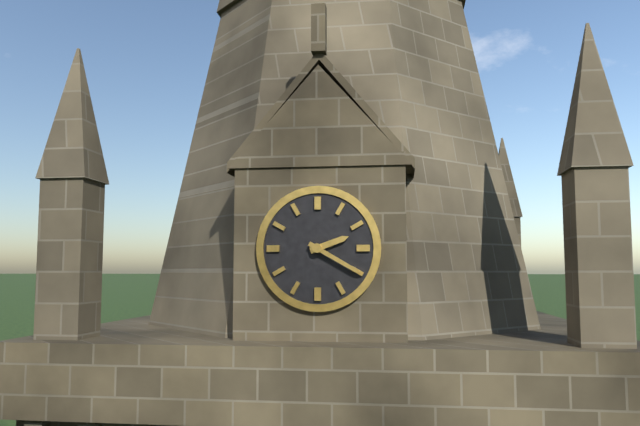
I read 2.20
